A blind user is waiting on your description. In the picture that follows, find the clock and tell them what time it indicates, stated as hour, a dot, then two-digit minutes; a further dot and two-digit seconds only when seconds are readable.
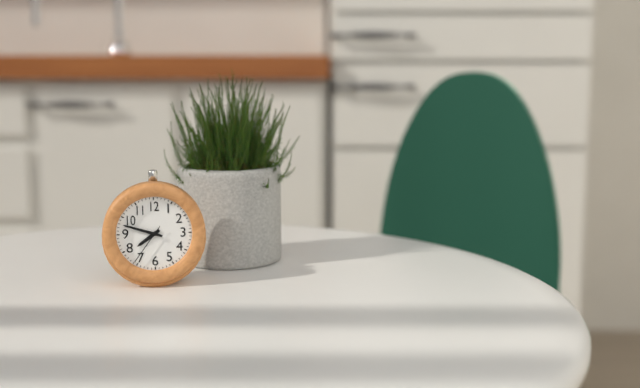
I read 7.48
